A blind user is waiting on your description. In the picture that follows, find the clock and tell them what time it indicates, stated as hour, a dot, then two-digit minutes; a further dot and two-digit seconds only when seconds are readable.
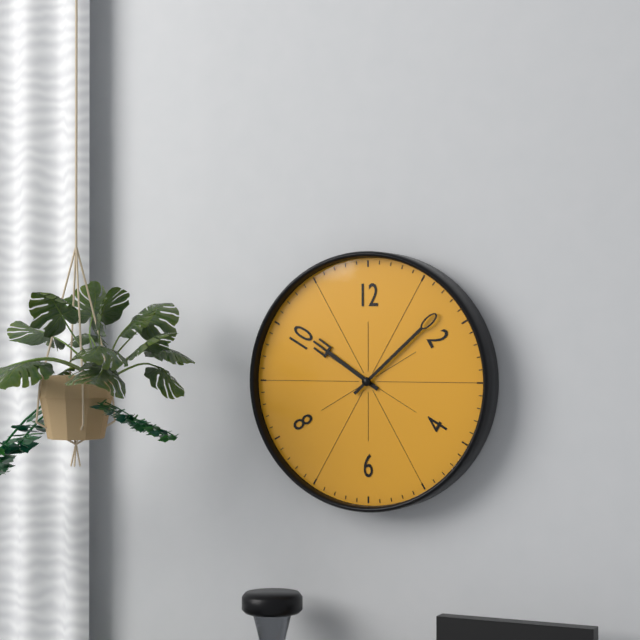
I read 10.08
